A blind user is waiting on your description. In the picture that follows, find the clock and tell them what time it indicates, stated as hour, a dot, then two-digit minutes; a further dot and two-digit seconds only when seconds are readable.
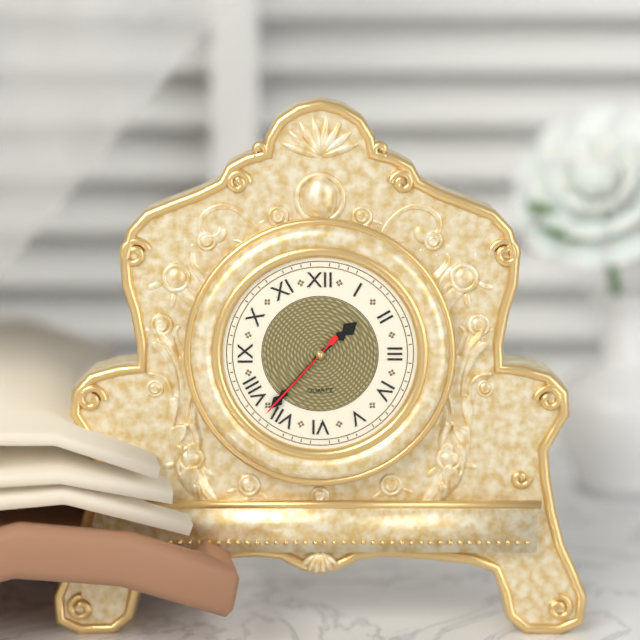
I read 1.37.37
